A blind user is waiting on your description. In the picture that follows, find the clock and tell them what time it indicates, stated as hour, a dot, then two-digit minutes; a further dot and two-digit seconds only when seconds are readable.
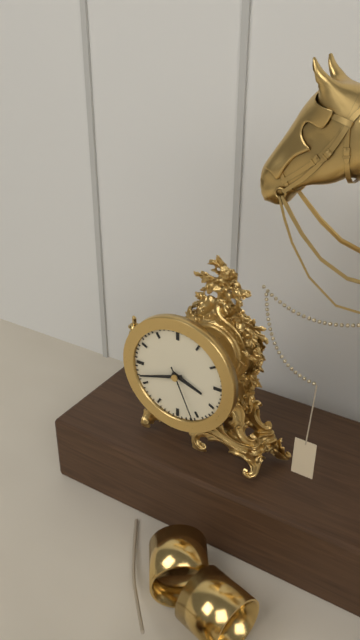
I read 3.42.26
